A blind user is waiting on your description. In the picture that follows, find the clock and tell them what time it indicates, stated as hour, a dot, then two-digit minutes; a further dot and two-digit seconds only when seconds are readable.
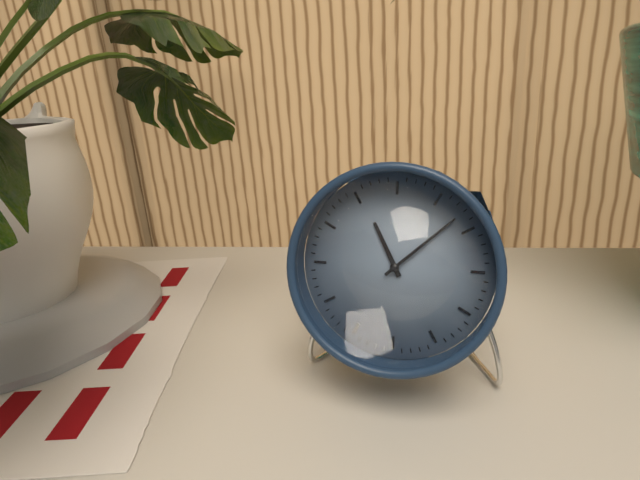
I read 11.08
